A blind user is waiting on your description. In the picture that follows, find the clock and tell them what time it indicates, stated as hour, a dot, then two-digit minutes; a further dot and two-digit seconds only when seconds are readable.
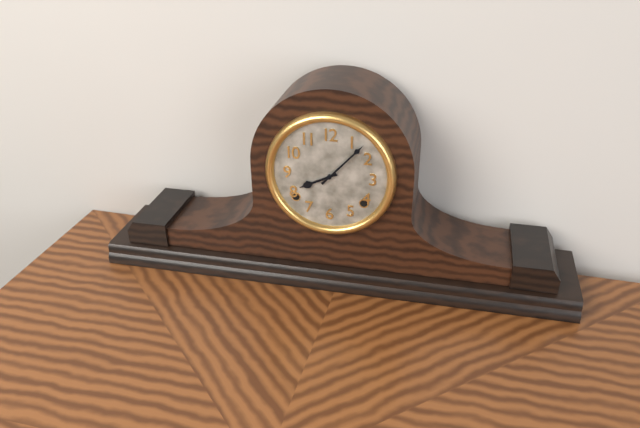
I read 8.07
